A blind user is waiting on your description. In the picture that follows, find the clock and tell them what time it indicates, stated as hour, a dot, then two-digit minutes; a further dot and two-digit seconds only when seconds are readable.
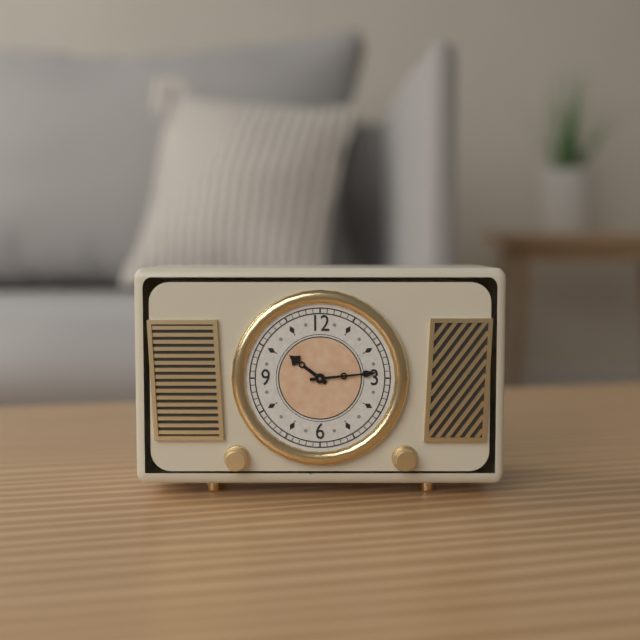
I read 10.14
